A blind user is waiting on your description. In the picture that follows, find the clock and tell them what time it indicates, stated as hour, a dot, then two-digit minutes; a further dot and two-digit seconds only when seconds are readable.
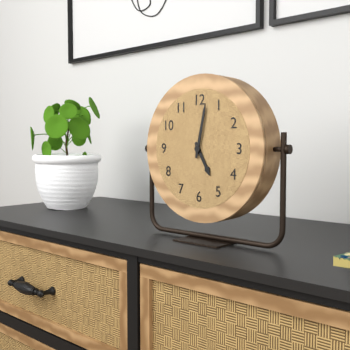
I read 5.02
